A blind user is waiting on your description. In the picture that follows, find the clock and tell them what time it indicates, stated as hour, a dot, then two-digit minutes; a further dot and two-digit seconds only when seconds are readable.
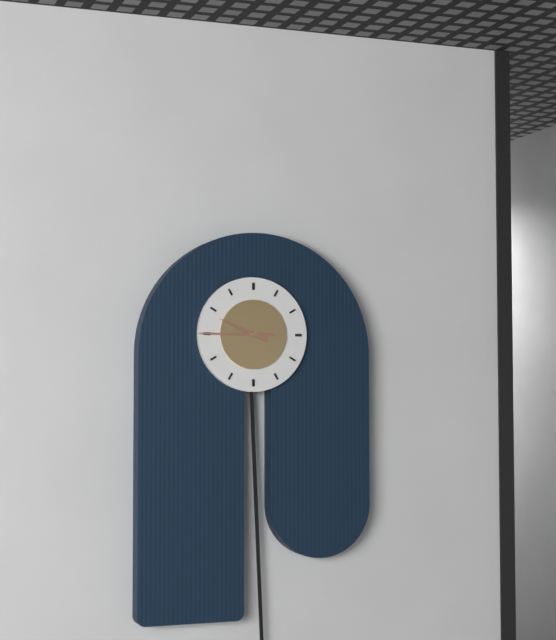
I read 9.45
